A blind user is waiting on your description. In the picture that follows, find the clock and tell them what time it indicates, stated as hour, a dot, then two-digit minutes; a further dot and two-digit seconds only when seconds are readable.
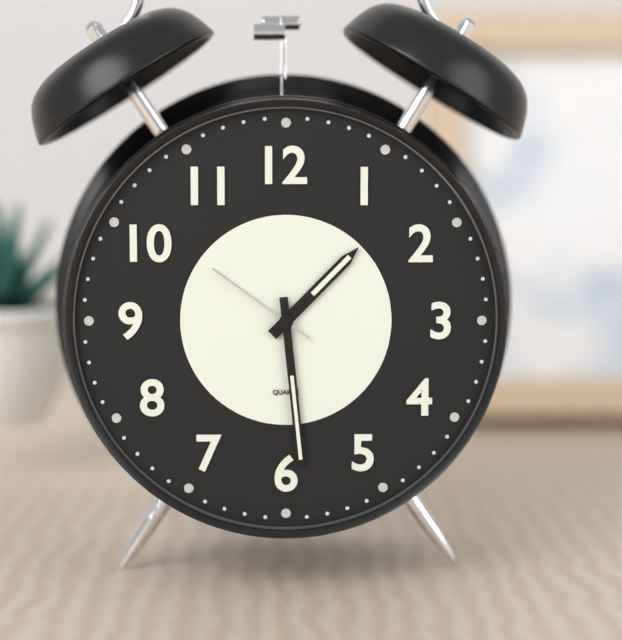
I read 1.29.51
